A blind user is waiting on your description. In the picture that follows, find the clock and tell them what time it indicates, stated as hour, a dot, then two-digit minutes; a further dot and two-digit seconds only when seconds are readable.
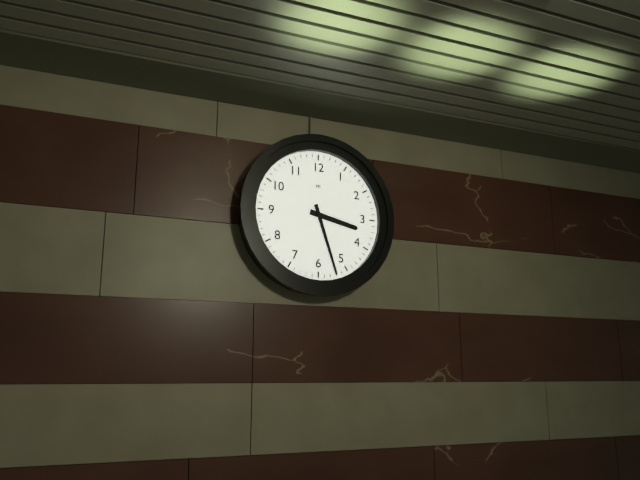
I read 3.27
